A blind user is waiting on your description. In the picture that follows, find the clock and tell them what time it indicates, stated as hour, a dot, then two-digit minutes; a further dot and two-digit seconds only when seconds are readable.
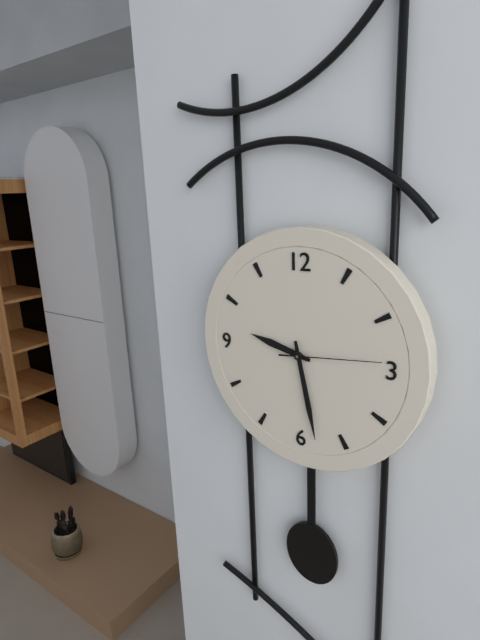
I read 9.28.14
